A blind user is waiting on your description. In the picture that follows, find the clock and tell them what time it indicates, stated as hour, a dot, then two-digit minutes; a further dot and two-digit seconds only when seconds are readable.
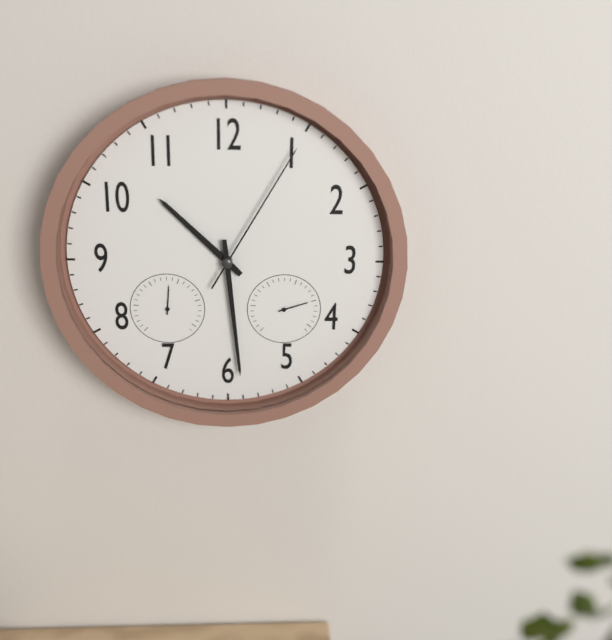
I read 10.29.05
